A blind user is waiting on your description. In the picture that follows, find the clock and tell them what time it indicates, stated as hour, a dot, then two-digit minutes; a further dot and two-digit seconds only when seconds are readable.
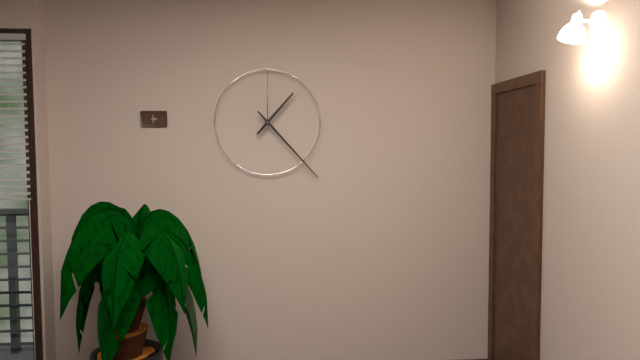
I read 1.23
